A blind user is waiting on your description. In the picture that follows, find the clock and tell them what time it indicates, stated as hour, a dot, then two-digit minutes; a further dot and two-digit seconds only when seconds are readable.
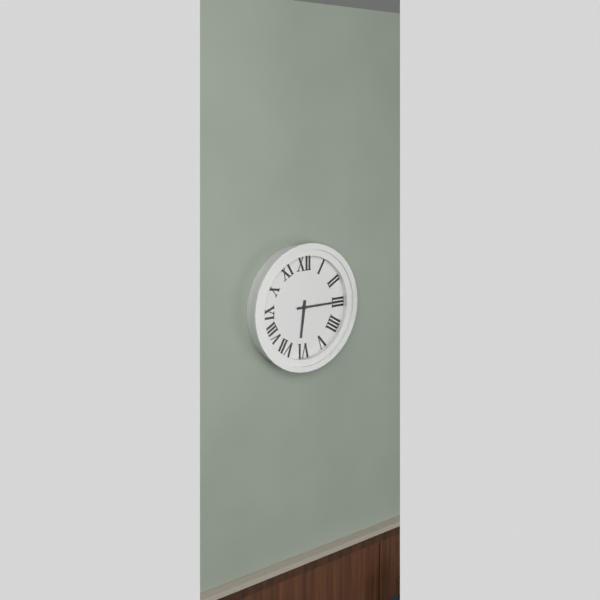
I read 6.15
